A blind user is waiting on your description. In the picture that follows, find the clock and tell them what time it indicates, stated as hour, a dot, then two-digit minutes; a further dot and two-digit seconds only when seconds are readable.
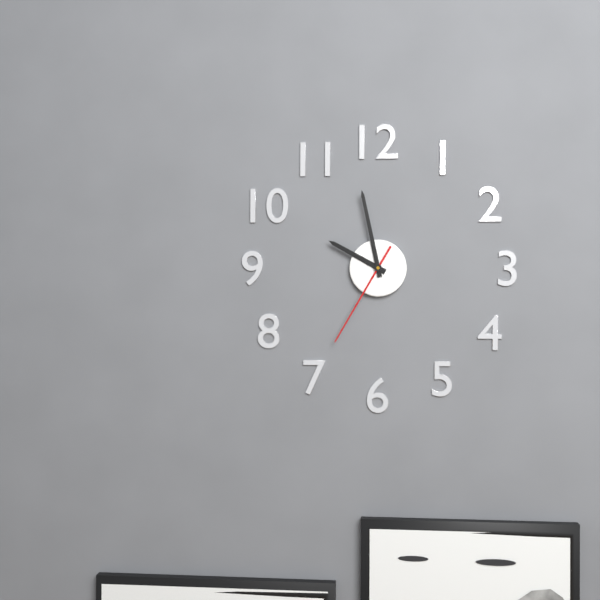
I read 9.58.35
